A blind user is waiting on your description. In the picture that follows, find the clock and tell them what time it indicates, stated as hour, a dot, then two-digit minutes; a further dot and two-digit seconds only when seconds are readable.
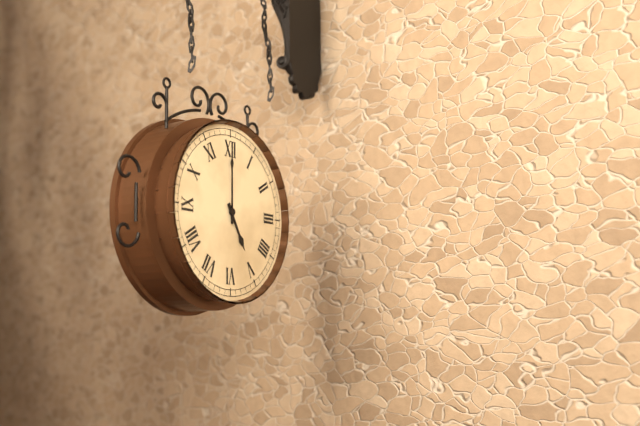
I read 5.00
